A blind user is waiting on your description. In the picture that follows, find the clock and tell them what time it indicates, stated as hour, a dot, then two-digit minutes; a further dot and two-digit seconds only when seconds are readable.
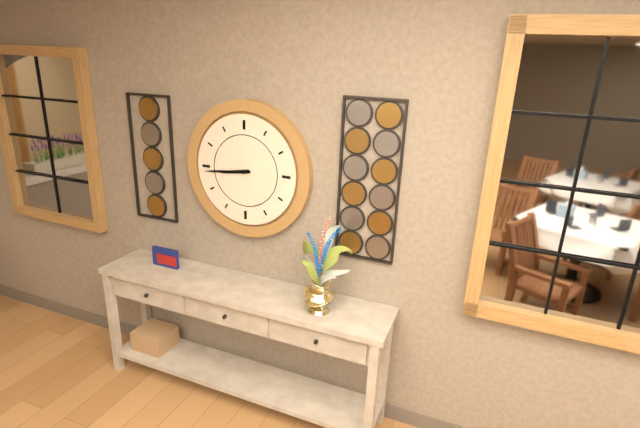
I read 8.44
